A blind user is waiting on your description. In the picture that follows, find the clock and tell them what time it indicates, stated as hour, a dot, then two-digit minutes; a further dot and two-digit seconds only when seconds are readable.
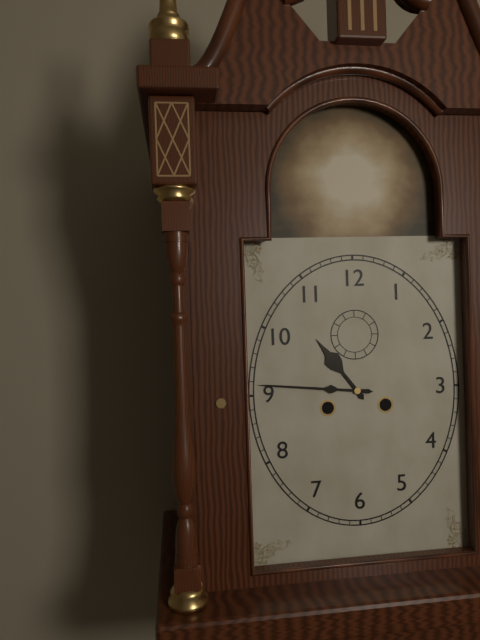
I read 10.46
